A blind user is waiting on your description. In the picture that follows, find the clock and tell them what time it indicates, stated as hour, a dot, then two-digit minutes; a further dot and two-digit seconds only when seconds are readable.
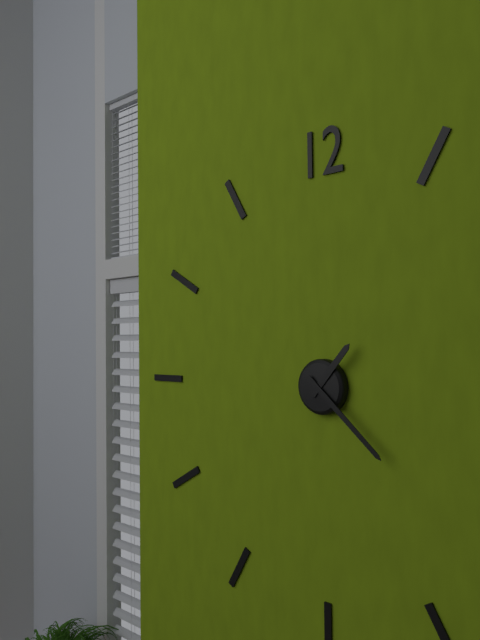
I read 1.22
